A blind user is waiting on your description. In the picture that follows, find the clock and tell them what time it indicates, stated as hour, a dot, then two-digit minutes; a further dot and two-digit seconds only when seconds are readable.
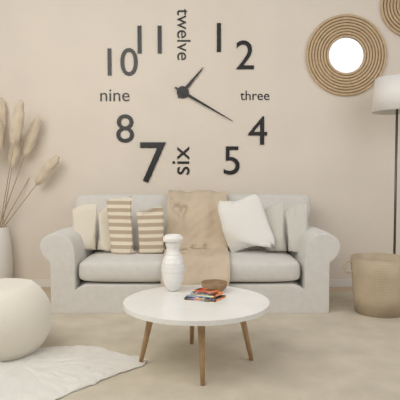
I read 1.20
